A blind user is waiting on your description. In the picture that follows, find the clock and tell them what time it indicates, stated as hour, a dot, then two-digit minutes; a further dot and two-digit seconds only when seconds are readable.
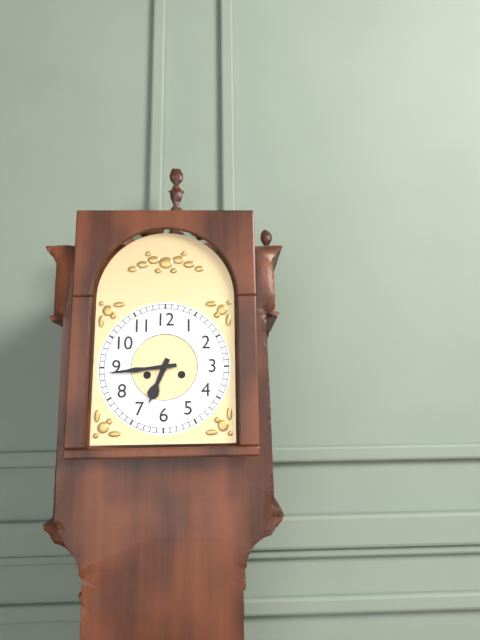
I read 6.44
